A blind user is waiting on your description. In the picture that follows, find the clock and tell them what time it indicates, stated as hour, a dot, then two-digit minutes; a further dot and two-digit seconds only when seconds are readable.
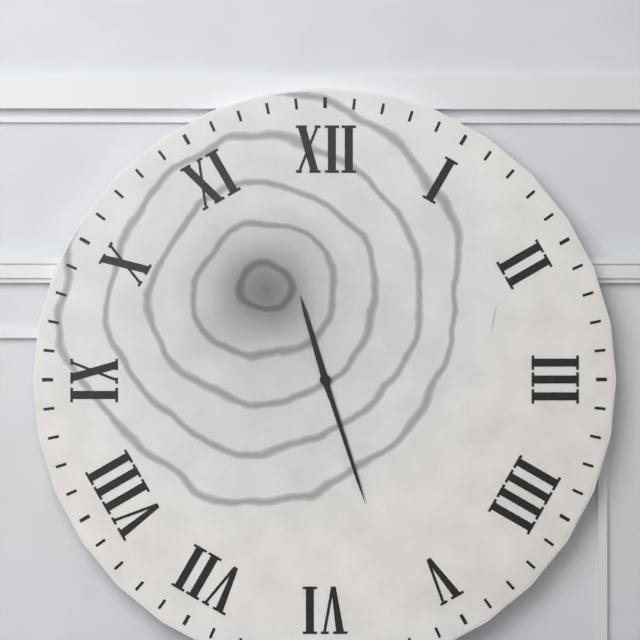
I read 11.27
